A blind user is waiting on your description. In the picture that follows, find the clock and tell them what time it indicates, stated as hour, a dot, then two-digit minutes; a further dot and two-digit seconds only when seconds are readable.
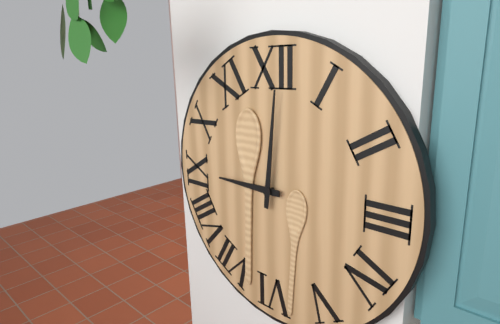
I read 9.01
